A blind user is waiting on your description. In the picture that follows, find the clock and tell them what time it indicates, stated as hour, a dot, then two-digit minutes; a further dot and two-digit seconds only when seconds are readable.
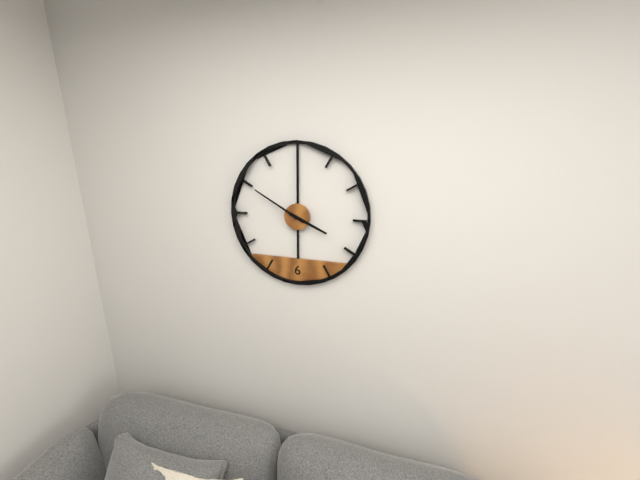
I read 3.50
